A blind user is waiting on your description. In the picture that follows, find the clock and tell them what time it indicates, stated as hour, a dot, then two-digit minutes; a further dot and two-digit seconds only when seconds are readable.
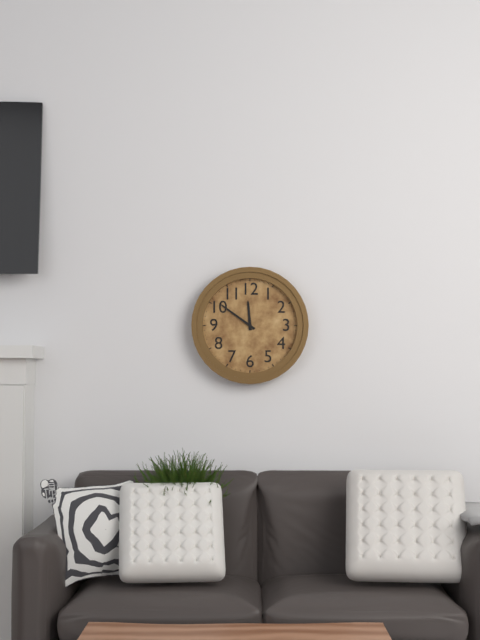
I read 11.51
